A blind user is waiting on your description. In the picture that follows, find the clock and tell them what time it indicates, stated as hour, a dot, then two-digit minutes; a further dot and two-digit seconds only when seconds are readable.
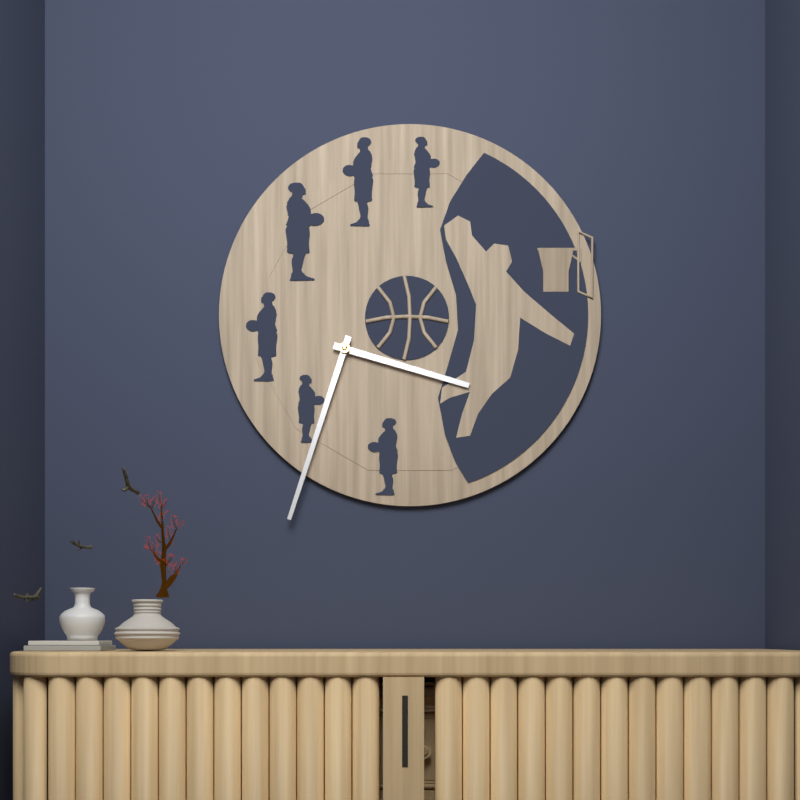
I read 3.33
